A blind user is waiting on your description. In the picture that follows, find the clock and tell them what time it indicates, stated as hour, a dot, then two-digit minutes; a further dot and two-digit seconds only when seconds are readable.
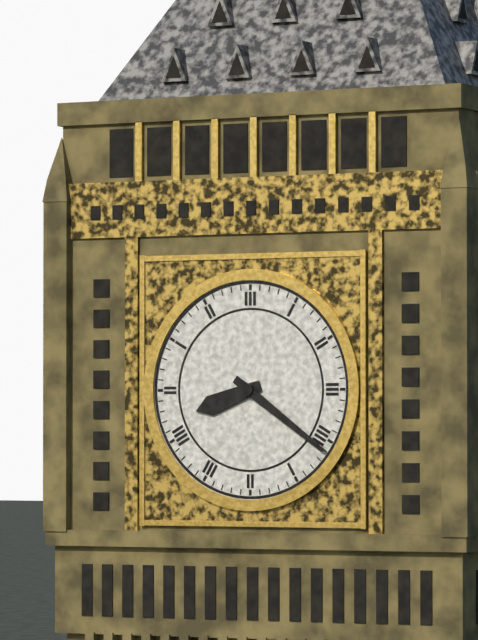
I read 8.21
